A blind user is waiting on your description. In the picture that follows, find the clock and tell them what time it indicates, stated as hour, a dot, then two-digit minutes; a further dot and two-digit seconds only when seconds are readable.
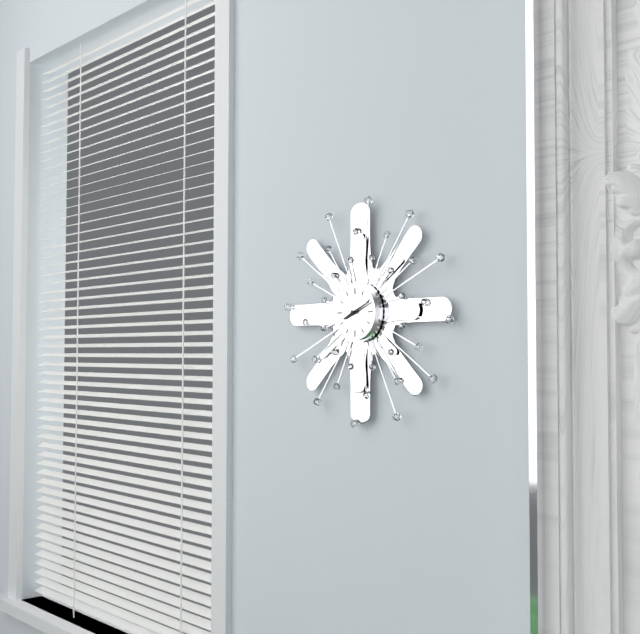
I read 8.11
